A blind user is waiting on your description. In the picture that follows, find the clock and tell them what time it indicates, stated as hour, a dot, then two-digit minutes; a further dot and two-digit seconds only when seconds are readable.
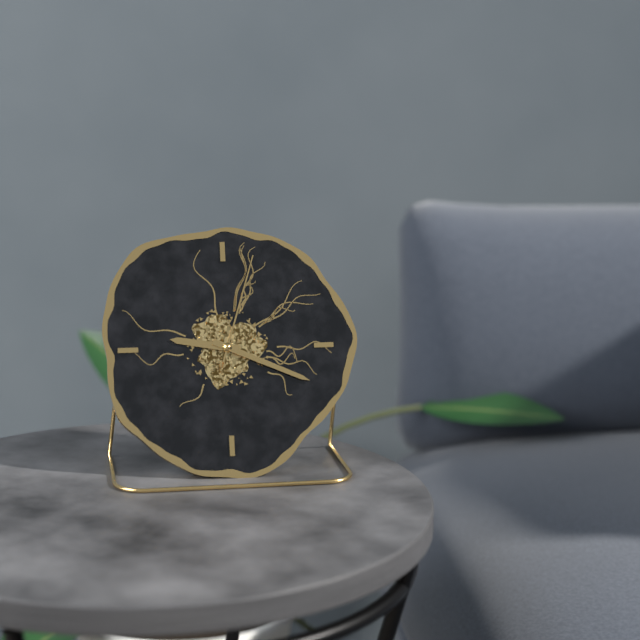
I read 9.19.03
